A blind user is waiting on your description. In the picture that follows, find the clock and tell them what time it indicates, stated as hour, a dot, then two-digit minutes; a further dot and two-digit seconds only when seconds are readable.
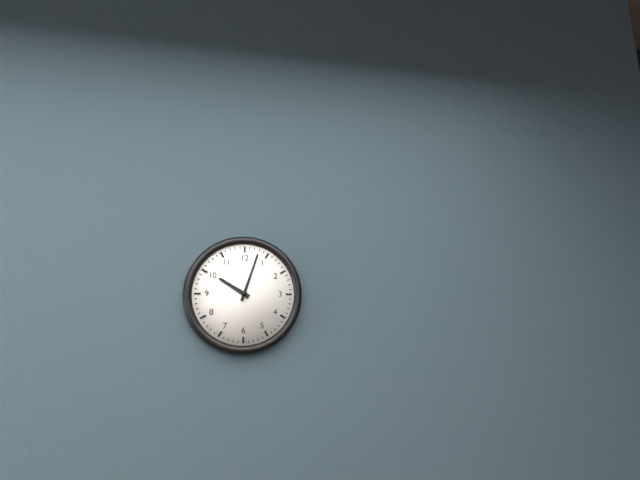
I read 10.03
